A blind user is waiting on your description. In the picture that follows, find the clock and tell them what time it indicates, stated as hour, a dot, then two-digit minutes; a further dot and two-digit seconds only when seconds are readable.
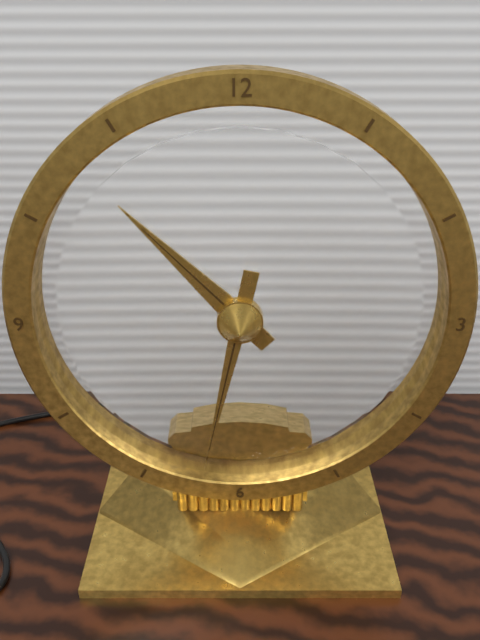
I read 10.32
